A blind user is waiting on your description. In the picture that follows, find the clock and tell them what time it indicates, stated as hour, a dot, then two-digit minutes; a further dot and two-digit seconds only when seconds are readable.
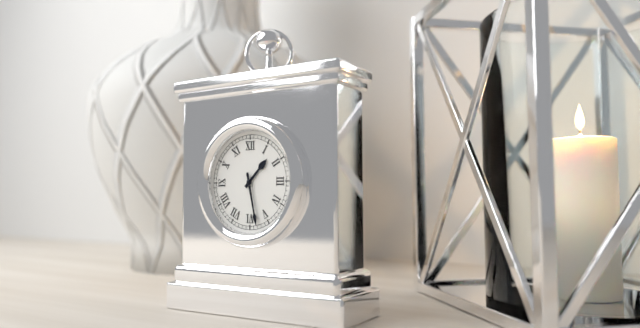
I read 1.28
